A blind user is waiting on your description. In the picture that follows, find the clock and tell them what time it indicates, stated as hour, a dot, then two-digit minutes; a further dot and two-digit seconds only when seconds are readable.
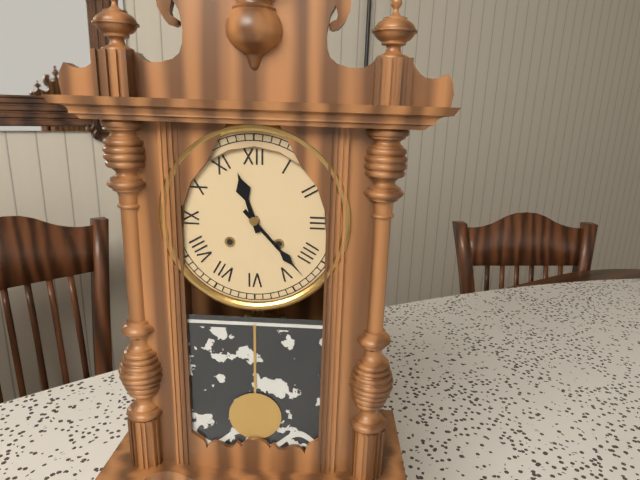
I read 11.23
